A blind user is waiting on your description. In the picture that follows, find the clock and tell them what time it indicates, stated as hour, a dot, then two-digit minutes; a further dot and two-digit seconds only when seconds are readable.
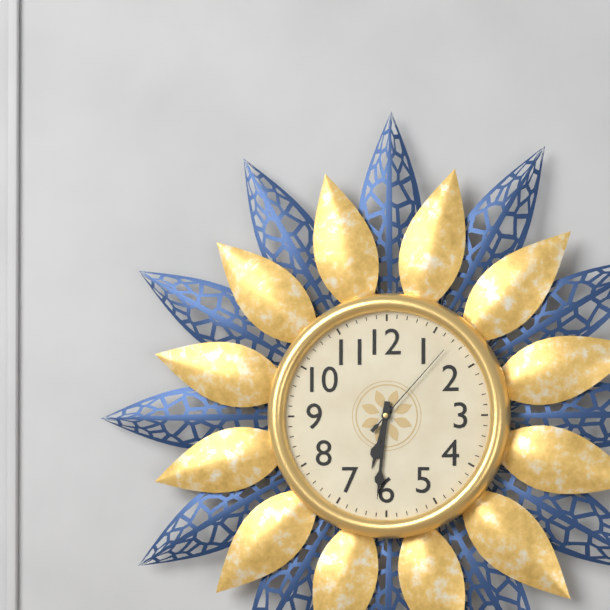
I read 6.31.07
